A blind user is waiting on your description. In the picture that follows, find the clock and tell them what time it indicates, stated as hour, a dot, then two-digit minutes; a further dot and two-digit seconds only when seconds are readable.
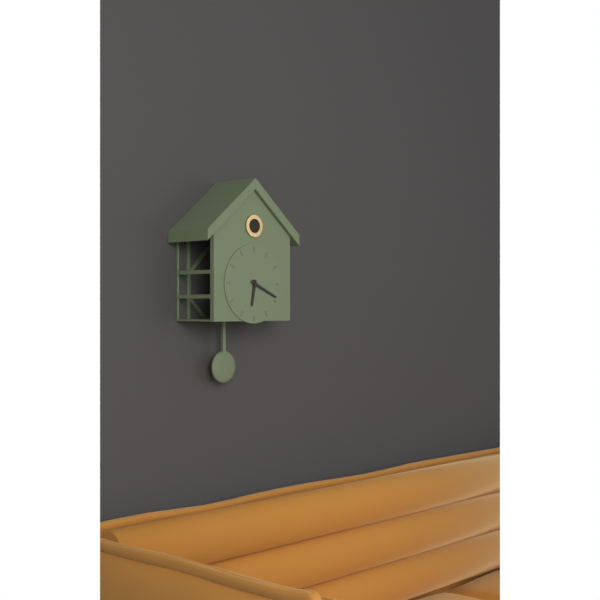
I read 6.19
